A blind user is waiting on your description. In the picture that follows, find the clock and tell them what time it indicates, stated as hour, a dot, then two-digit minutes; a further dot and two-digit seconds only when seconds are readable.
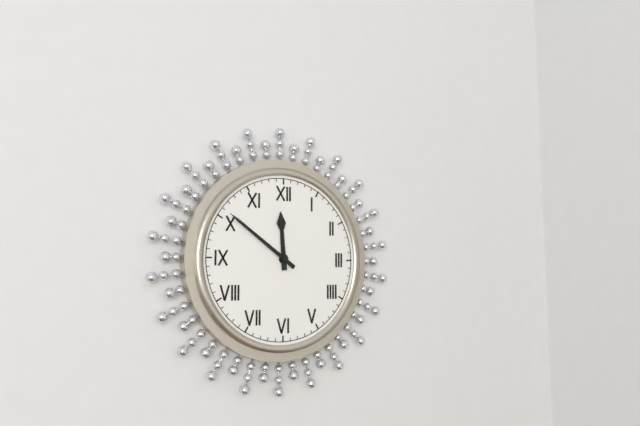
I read 11.51
